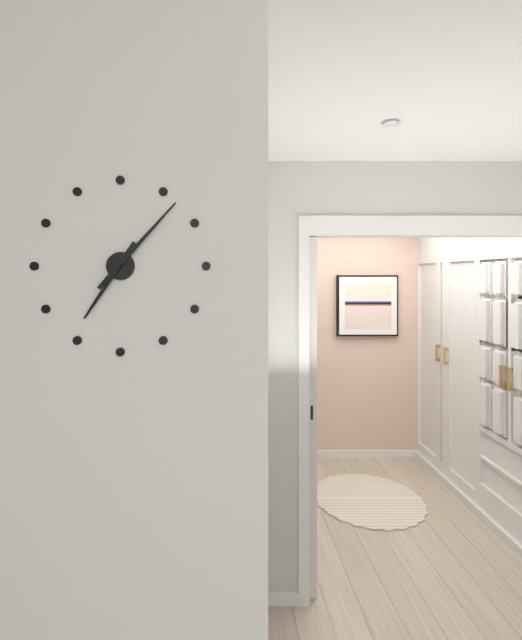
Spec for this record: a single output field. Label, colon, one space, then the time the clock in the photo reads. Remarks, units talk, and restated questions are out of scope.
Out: 7:07
